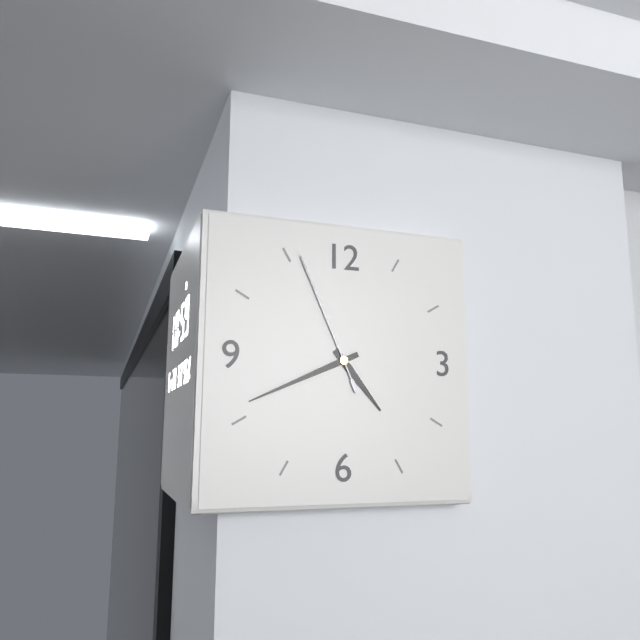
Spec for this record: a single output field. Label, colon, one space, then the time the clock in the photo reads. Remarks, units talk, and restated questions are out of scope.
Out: 4:41:56
